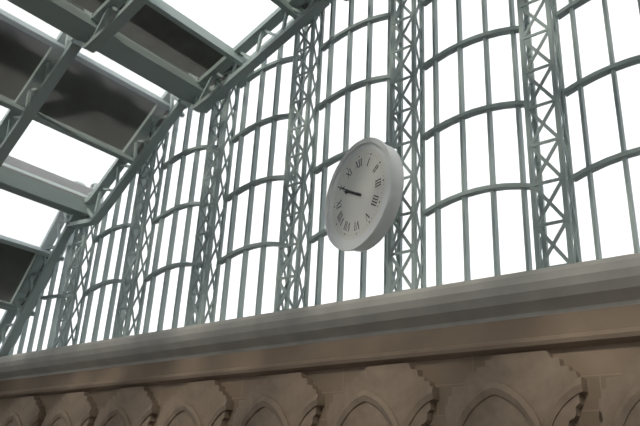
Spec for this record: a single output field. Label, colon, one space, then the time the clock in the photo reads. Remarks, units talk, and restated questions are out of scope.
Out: 9:50
